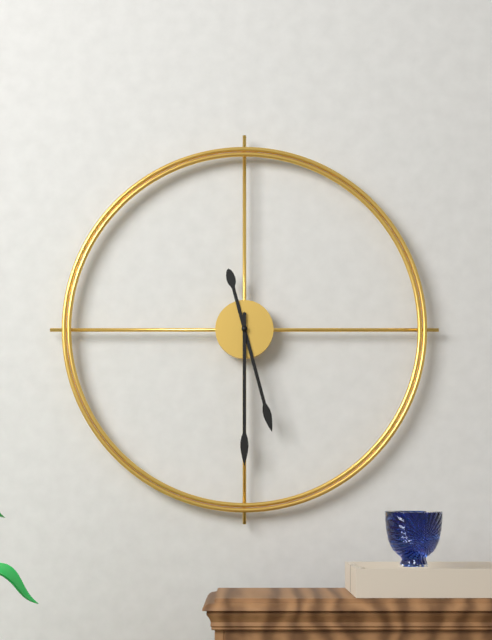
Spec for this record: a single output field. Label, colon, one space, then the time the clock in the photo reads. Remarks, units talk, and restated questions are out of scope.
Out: 5:30
